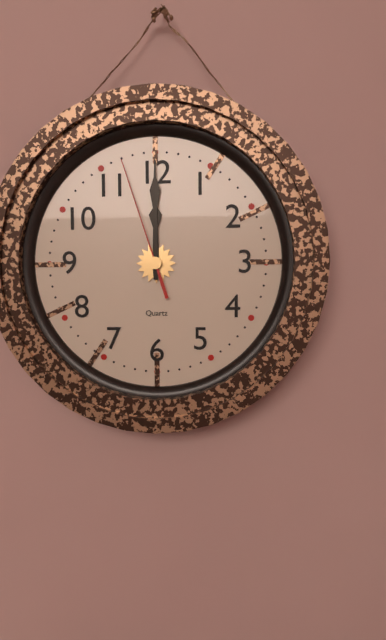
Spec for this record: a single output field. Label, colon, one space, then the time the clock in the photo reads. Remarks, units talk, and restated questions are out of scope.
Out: 12:00:57
